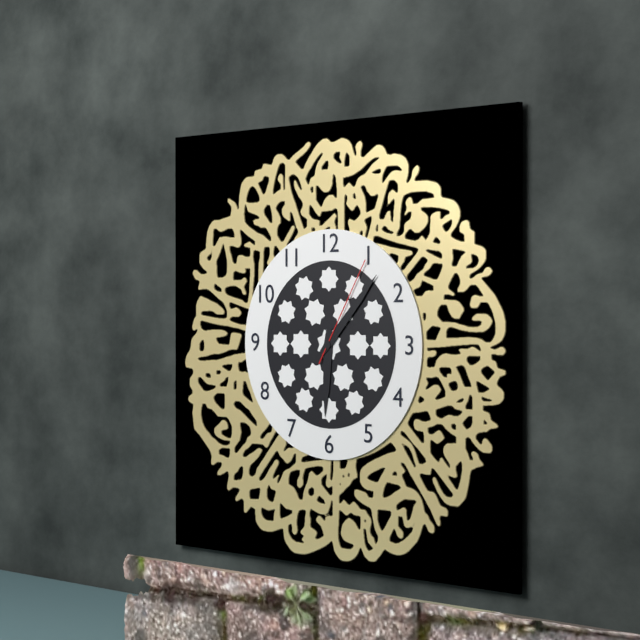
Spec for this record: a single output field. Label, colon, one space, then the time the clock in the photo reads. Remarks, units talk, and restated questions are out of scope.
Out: 6:07:05
